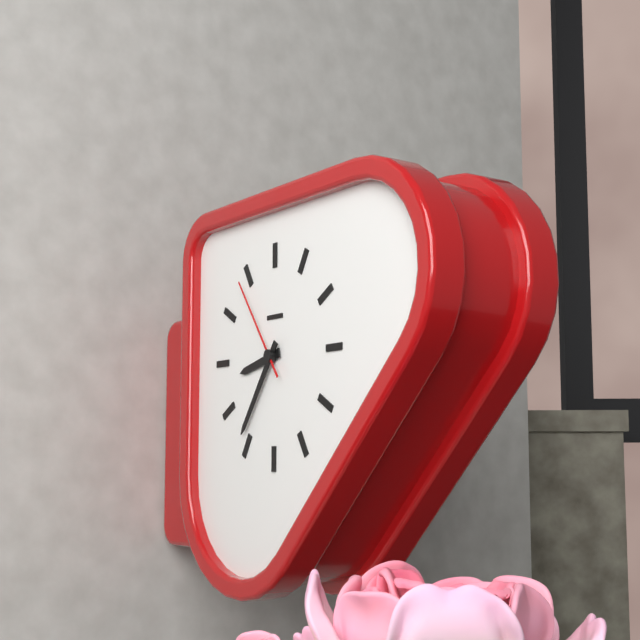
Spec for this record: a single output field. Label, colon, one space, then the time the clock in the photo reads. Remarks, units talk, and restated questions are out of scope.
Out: 8:36:54
